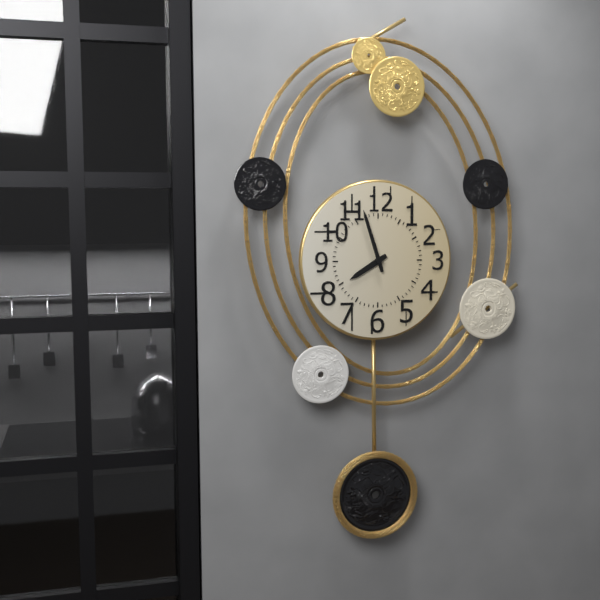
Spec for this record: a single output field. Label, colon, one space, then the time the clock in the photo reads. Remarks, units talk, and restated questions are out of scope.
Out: 7:57
